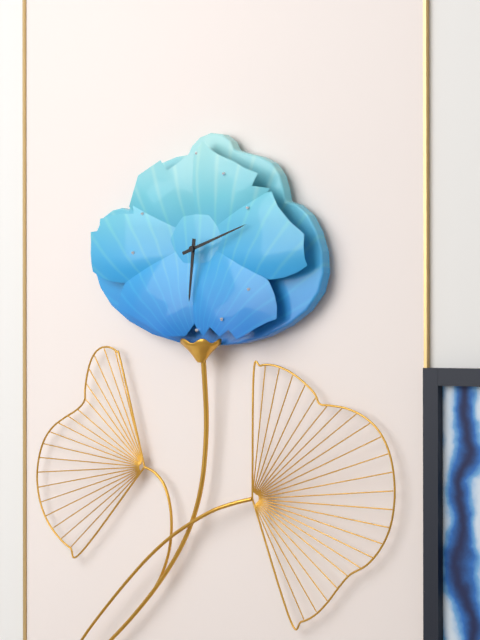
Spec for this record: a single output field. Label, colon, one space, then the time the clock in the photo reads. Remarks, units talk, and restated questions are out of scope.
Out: 6:12
